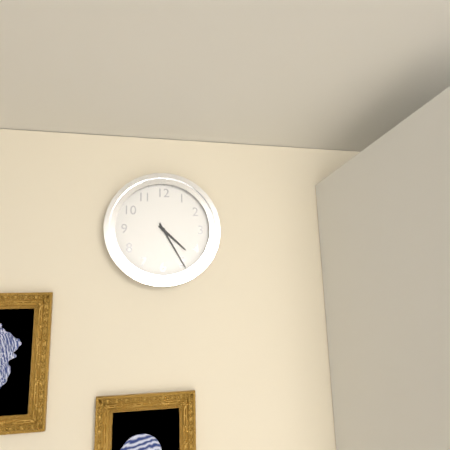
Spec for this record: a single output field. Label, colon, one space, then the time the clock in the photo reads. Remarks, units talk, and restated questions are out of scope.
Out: 4:25
